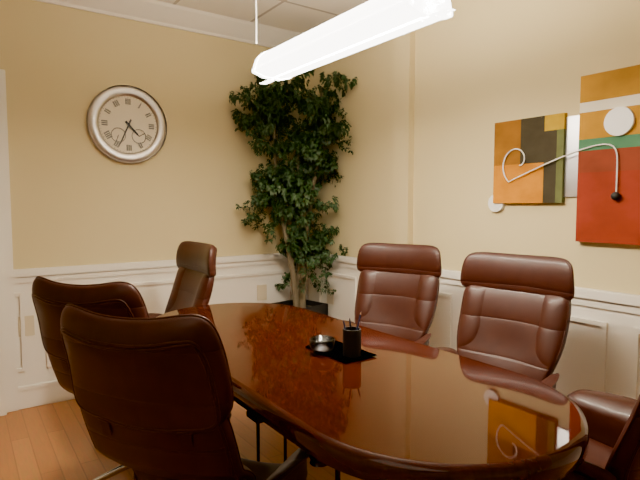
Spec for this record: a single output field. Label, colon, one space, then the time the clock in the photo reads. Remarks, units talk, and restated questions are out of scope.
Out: 4:34
